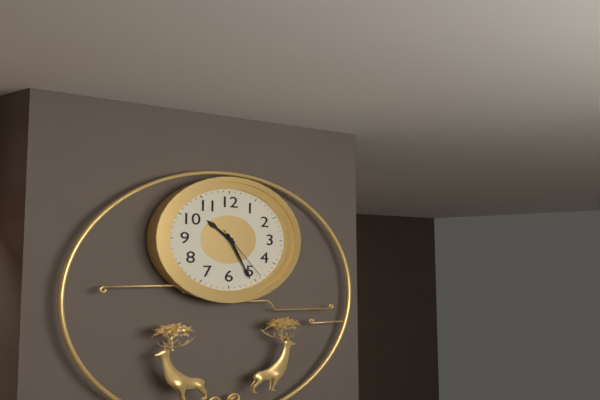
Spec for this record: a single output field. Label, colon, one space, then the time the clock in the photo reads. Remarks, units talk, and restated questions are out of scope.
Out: 10:26:24
